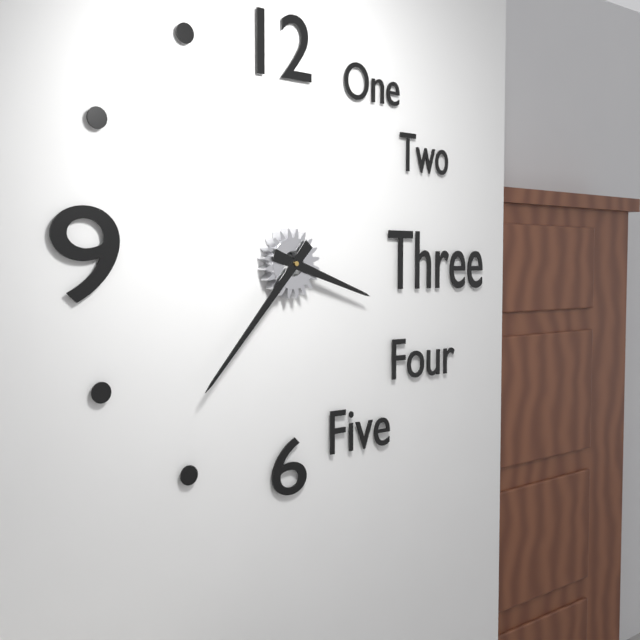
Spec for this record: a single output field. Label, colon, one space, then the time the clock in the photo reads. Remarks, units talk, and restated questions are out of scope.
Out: 3:37
